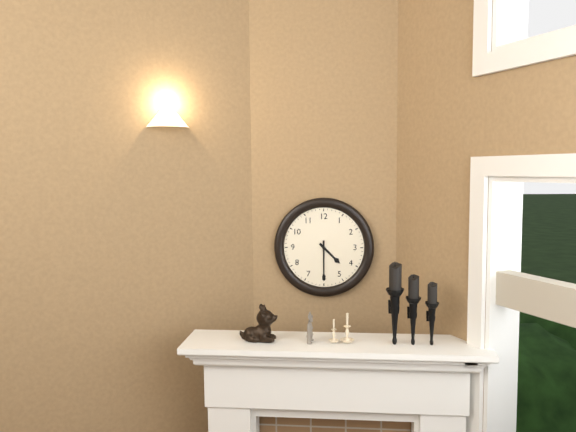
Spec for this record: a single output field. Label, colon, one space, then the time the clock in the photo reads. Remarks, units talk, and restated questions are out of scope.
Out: 4:30
